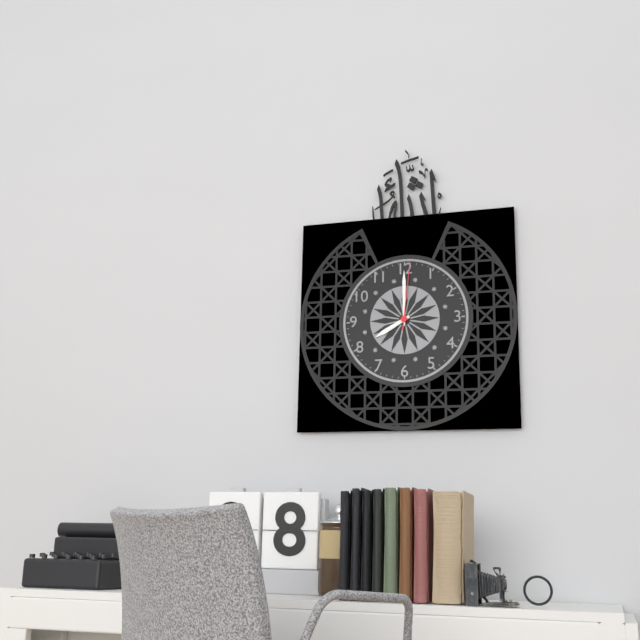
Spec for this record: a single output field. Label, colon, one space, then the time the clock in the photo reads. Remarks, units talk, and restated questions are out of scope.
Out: 8:00:01
